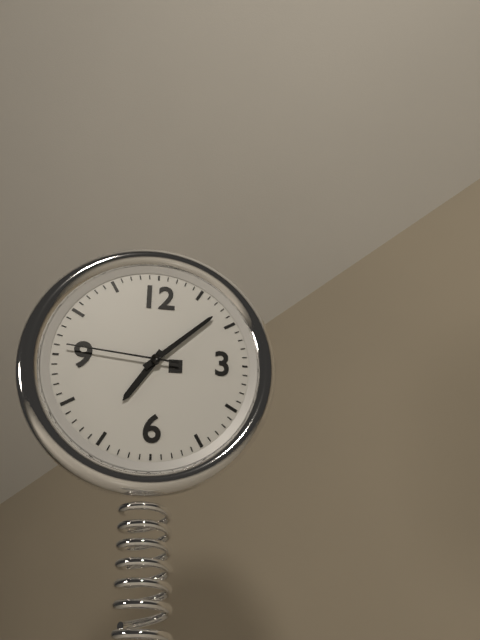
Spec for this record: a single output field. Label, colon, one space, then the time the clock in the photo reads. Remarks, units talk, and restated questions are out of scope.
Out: 7:08:46
